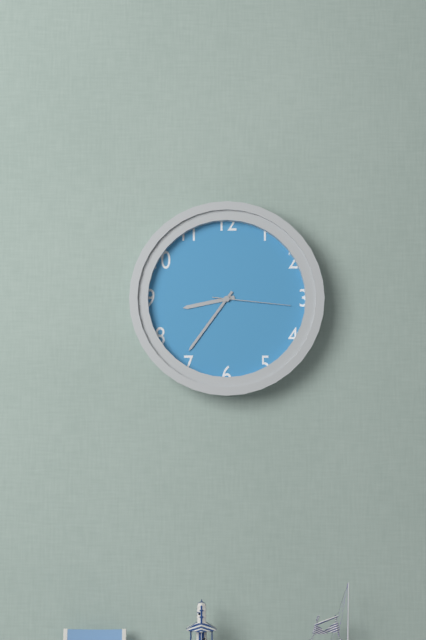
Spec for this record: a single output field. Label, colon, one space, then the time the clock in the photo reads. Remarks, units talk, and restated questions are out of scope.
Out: 8:36:16
